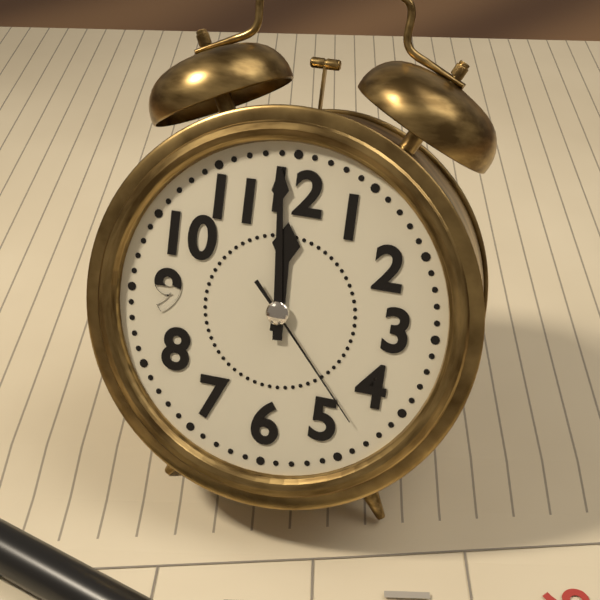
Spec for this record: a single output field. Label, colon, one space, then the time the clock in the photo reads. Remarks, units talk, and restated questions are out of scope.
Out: 11:59:23
